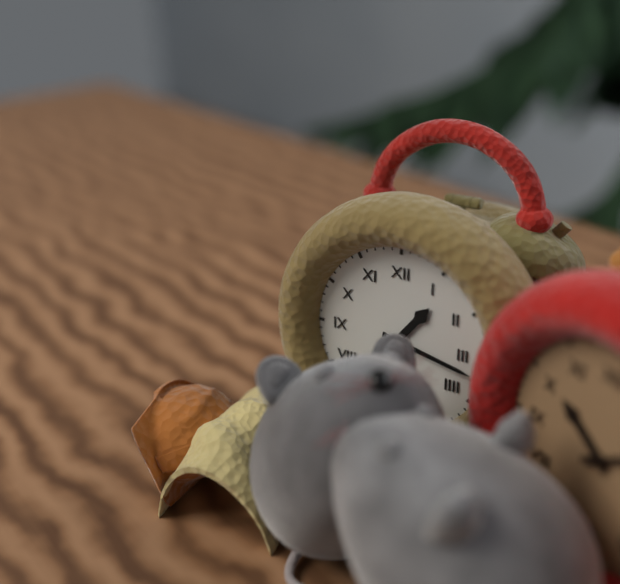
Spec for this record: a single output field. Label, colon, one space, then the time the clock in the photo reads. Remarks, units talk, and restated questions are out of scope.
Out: 1:17
